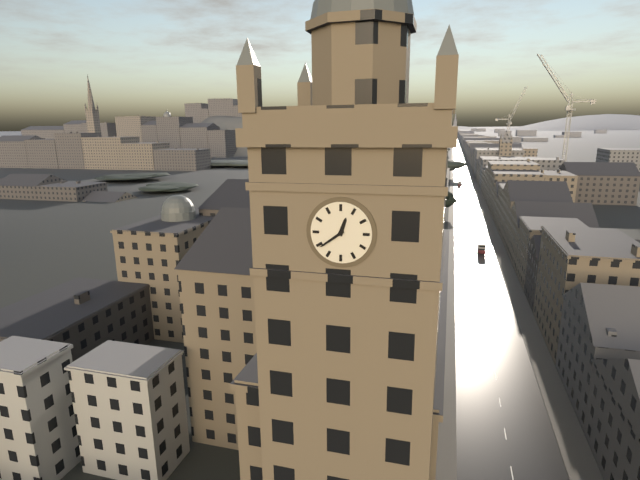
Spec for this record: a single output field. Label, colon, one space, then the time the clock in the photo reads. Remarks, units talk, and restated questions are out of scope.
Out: 12:39
